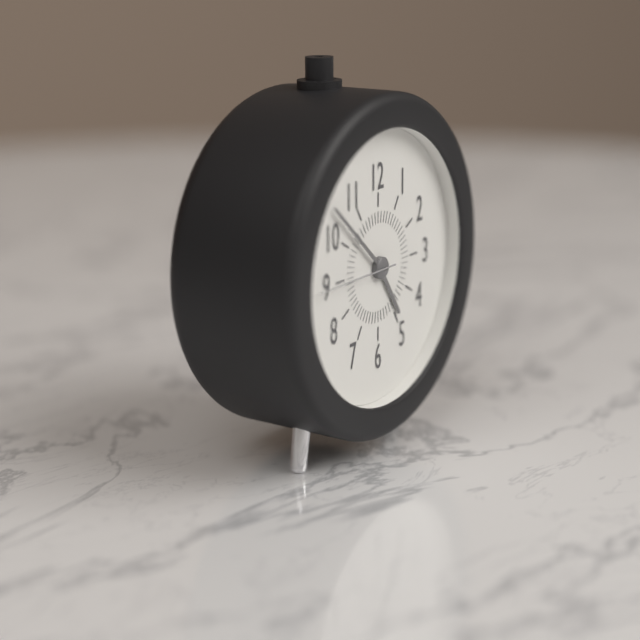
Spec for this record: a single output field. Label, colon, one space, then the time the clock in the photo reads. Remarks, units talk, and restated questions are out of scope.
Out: 4:52:45
